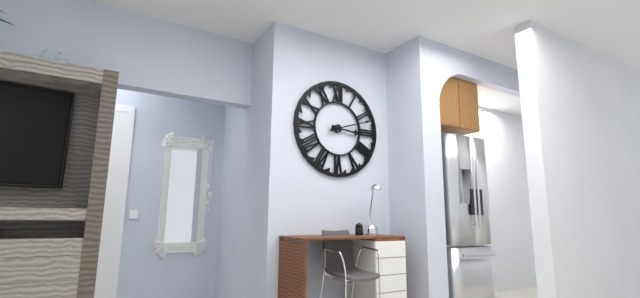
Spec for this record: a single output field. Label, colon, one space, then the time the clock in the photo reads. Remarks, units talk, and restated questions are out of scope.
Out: 3:12
